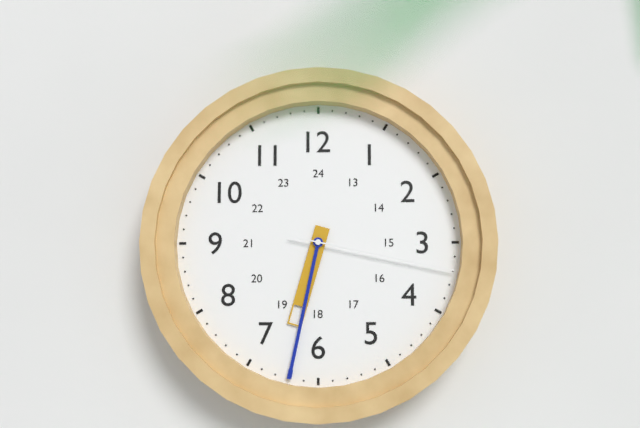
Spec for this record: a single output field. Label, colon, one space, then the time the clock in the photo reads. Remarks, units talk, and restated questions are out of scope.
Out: 6:32:17
